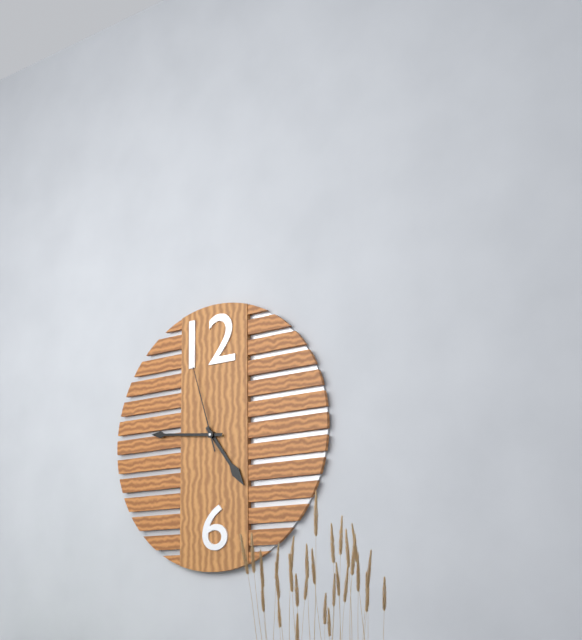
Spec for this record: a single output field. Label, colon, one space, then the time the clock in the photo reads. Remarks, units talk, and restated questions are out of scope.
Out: 4:46:57
